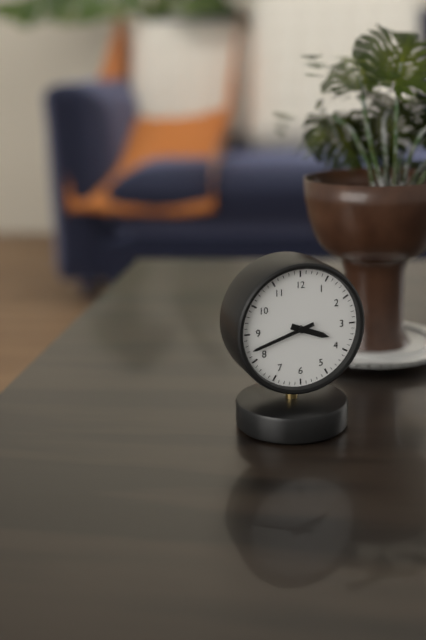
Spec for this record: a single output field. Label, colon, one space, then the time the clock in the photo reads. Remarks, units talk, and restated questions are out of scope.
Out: 3:42
